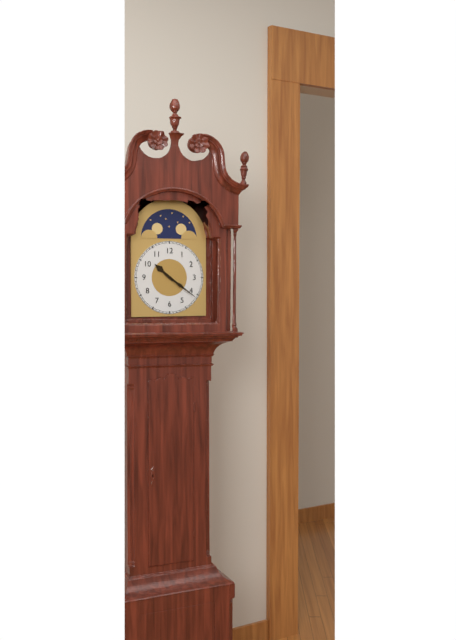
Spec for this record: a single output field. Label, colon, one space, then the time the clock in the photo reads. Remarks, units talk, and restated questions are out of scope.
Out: 10:21
